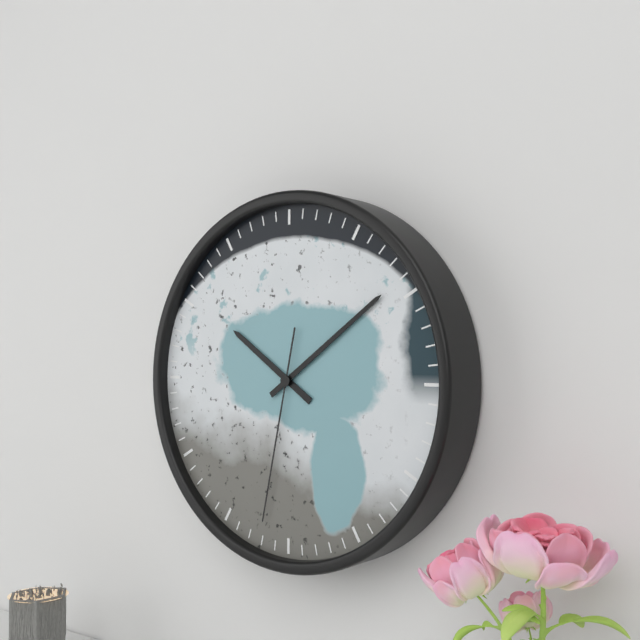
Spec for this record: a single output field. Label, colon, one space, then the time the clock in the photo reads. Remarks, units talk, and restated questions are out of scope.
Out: 10:09:32
